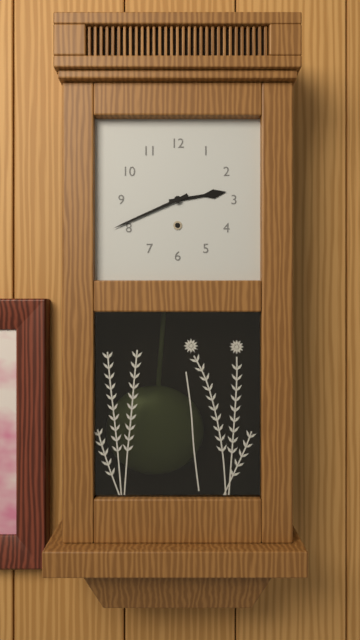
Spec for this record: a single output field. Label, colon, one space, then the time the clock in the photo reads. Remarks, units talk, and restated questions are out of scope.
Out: 2:41
